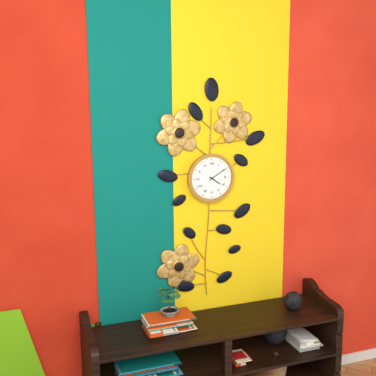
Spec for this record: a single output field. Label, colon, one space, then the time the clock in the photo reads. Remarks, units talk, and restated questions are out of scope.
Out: 4:10
